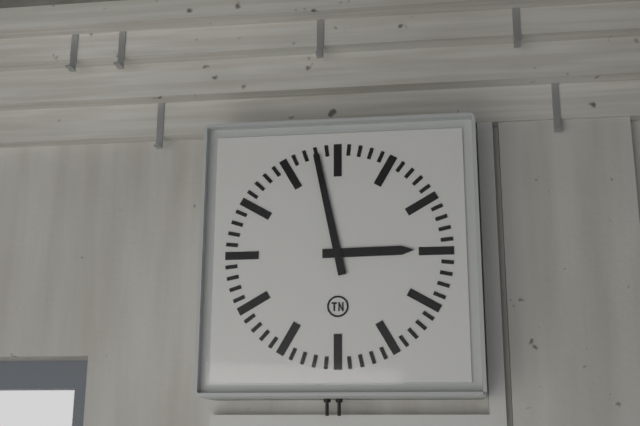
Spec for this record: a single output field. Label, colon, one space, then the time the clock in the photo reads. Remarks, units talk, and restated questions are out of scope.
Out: 2:58
